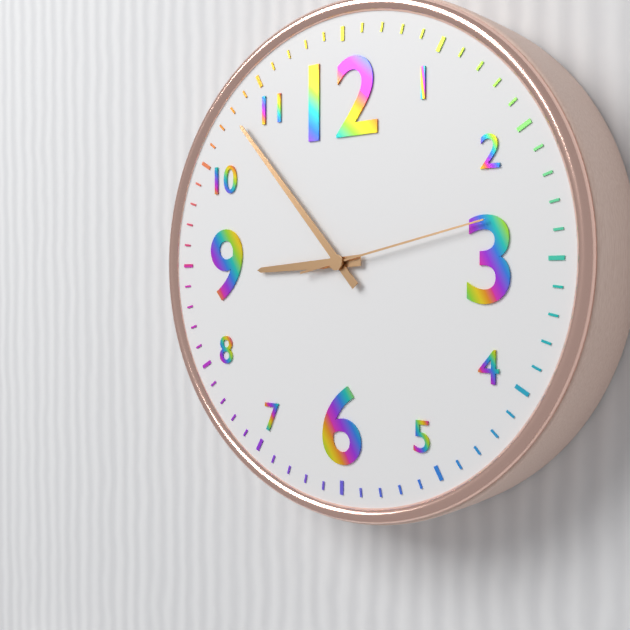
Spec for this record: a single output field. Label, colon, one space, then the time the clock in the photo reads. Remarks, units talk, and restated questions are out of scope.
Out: 8:53:13
